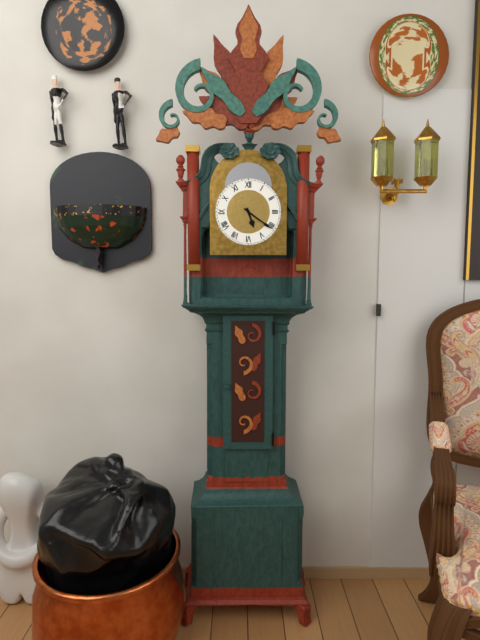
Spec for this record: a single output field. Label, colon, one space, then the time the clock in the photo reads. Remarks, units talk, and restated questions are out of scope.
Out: 5:21
